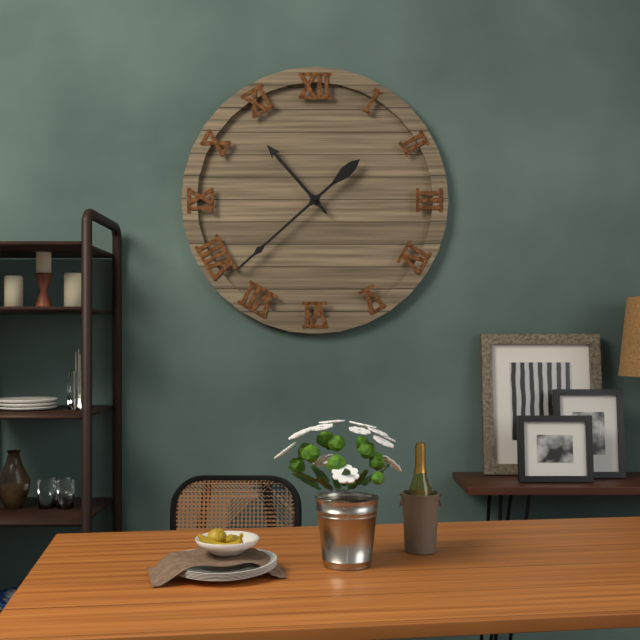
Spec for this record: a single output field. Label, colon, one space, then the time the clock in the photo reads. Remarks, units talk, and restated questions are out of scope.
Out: 10:38
